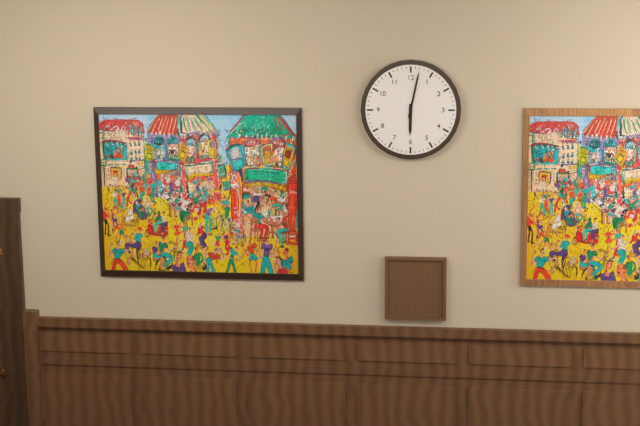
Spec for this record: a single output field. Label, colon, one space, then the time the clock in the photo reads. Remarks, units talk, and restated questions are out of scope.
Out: 6:02
